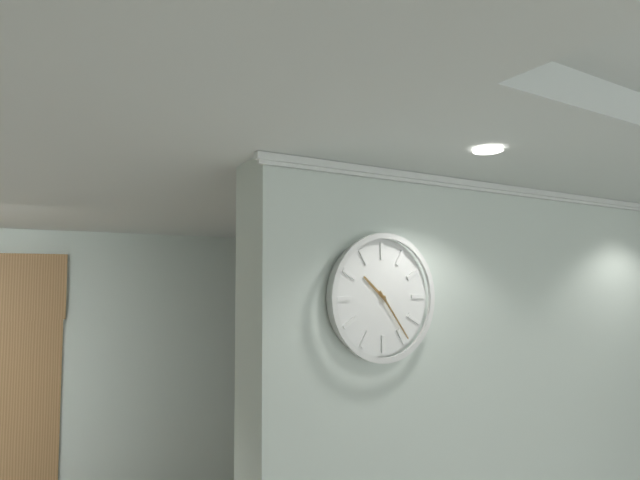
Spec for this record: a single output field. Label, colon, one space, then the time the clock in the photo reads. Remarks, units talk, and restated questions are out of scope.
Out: 10:24
